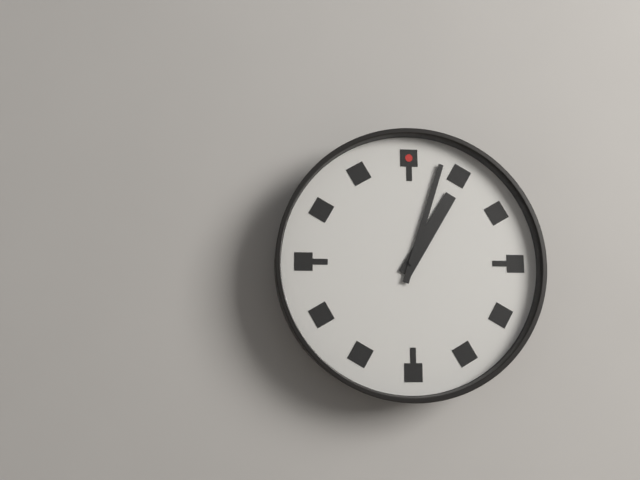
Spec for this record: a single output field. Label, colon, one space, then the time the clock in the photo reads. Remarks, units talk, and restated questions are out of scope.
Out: 1:03
